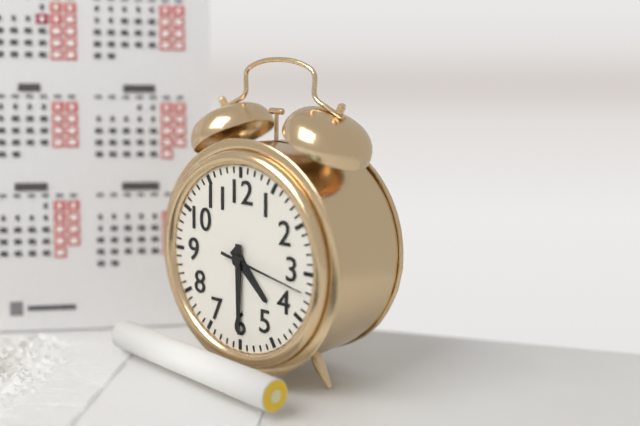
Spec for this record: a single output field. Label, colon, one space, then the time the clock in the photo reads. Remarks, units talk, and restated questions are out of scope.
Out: 4:30:17
